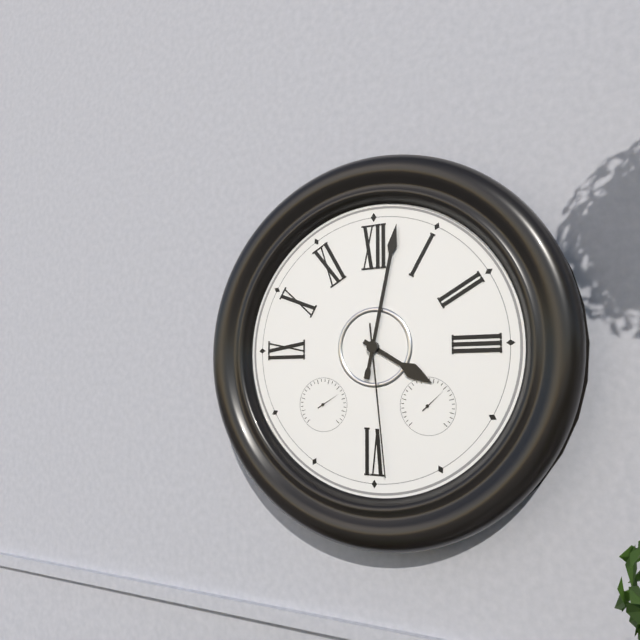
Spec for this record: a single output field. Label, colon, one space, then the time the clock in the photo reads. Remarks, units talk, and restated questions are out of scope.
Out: 4:02:29
